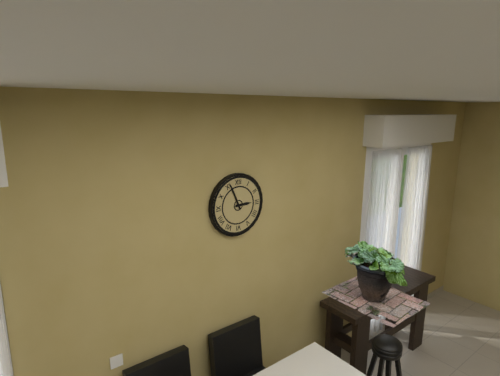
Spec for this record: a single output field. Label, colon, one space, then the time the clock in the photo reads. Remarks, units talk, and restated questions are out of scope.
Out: 2:56
